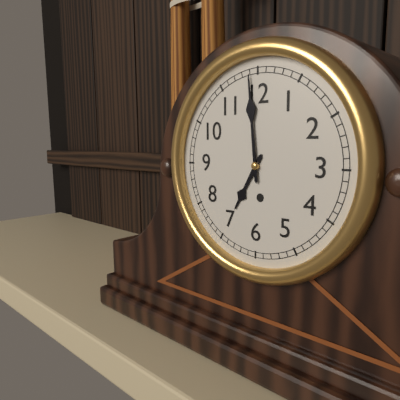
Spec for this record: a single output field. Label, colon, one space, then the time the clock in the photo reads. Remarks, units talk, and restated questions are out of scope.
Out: 6:59
